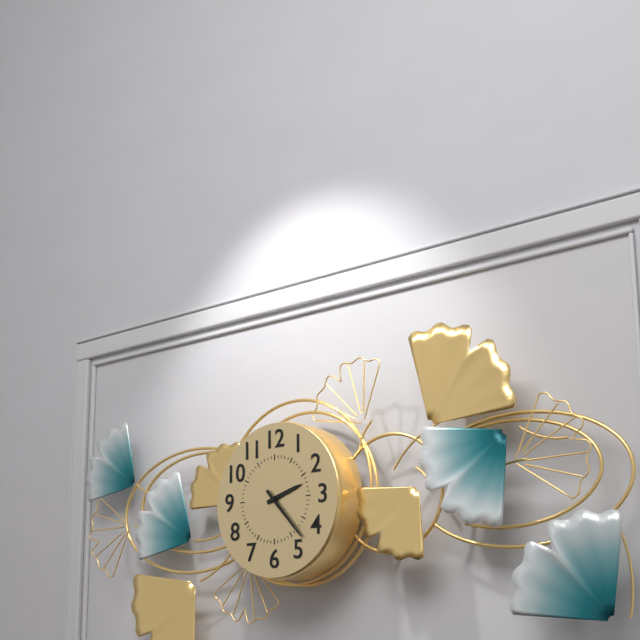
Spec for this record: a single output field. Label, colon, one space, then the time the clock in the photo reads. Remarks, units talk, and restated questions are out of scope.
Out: 2:23
